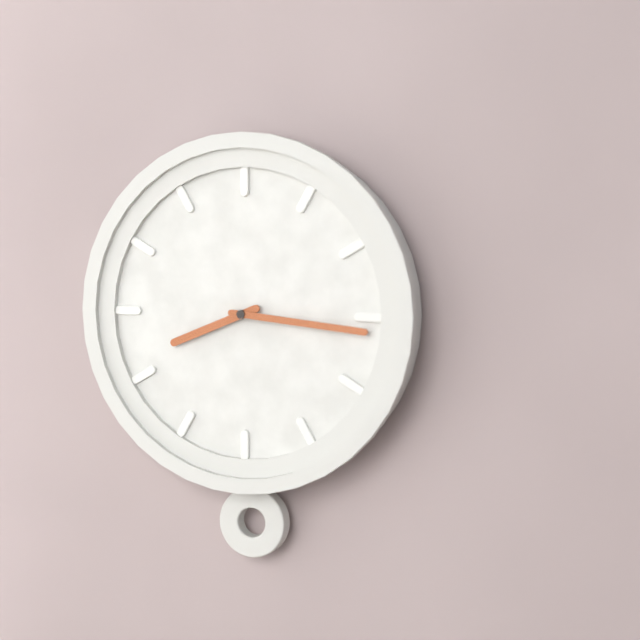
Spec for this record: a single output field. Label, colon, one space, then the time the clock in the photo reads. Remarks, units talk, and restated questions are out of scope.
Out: 8:16
